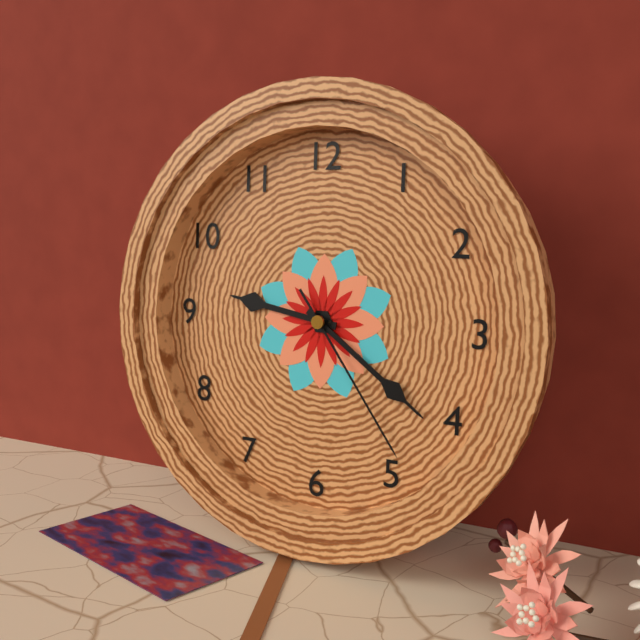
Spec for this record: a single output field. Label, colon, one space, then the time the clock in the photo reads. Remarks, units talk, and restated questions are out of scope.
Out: 9:21:24
